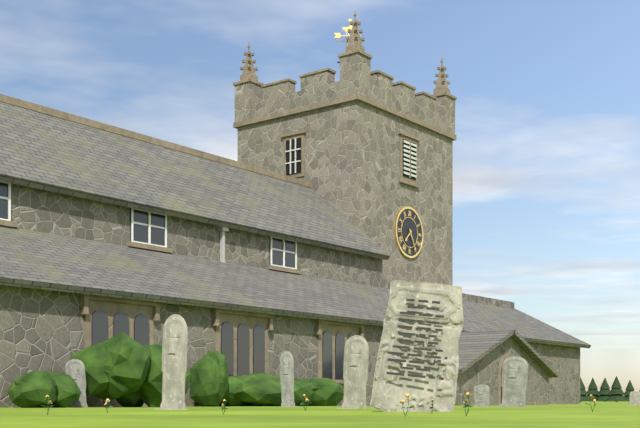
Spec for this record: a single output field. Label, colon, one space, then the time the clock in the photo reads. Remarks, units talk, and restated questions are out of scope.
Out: 7:25
